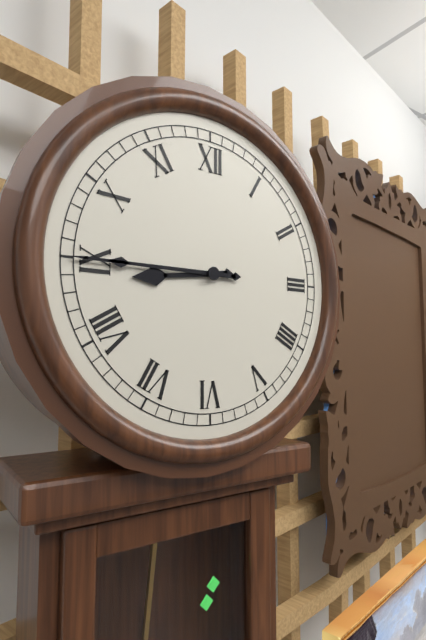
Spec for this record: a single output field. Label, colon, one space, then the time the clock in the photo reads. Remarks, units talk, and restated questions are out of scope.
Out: 8:45
